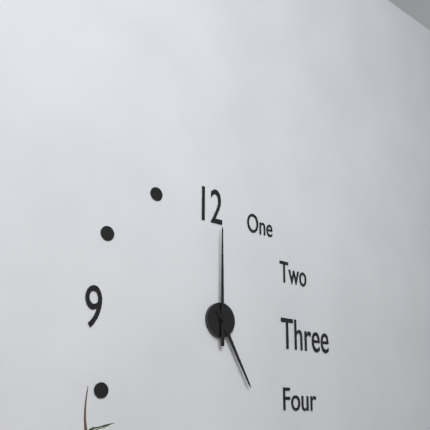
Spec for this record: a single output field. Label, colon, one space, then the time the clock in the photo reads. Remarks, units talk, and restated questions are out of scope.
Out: 5:00
